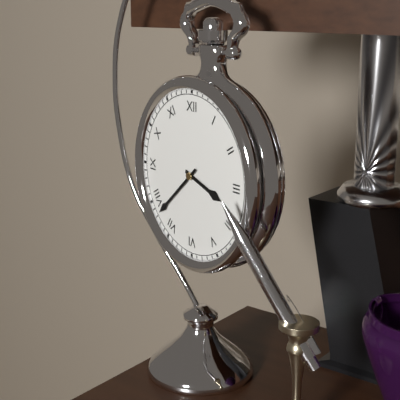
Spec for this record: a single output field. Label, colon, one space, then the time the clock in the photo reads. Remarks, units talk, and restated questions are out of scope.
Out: 3:38
